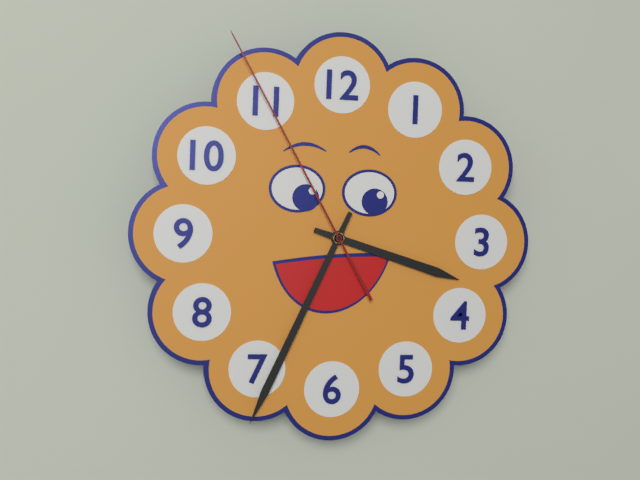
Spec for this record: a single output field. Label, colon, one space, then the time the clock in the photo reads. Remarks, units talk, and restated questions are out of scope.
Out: 3:34:55
